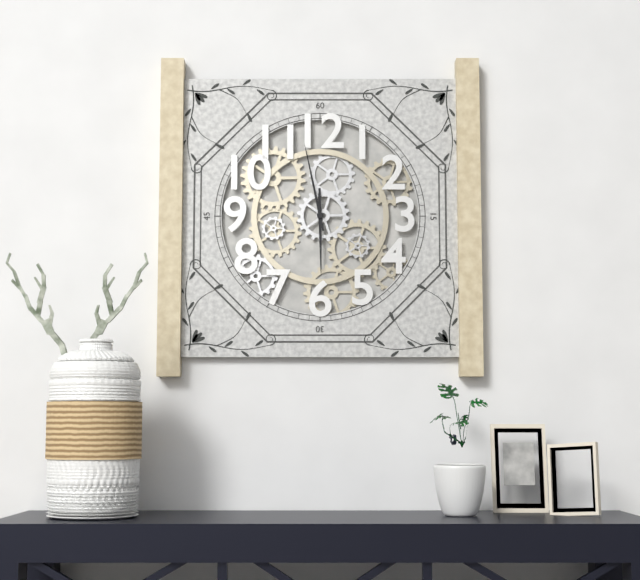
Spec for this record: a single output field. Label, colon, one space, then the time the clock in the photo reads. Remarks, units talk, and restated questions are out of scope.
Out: 5:58
